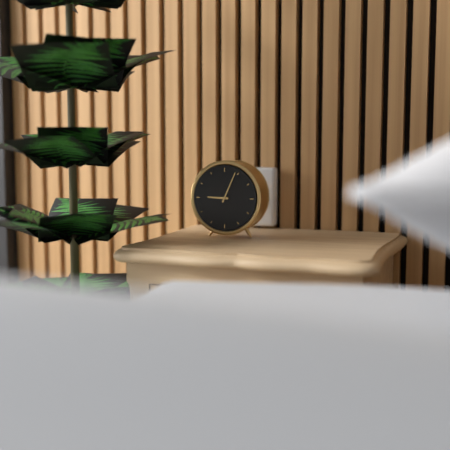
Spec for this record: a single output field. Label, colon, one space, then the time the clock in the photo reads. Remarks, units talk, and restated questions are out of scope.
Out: 9:04
